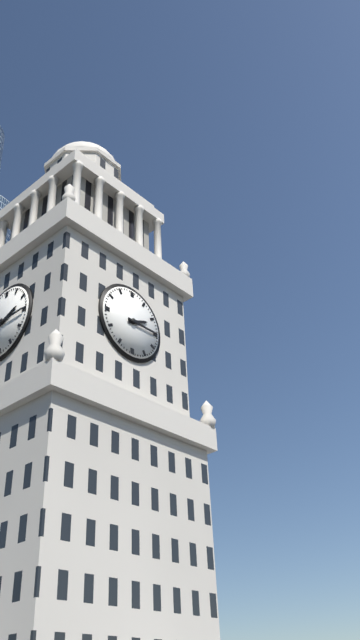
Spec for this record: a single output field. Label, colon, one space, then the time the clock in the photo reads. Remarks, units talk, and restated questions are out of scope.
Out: 2:15
